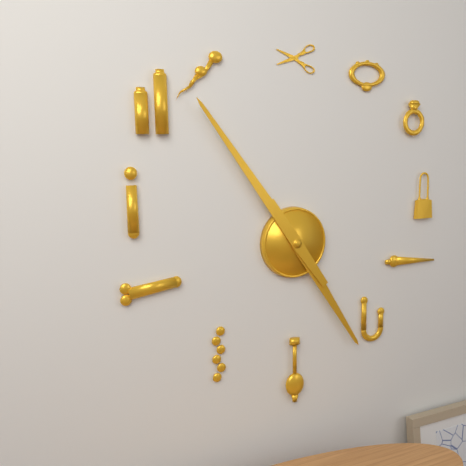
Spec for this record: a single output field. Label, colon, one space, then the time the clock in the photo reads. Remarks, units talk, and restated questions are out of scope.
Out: 4:54
